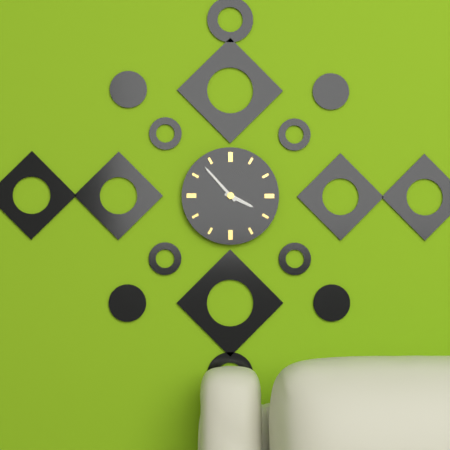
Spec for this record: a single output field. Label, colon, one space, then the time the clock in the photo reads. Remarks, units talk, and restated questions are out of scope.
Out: 3:53
